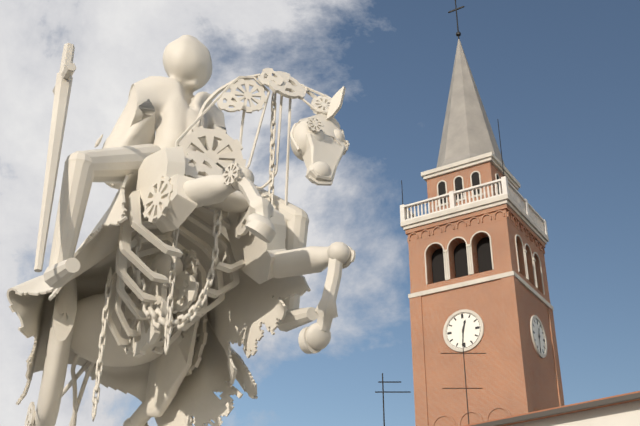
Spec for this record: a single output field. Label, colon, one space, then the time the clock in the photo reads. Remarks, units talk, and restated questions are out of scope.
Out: 12:31
